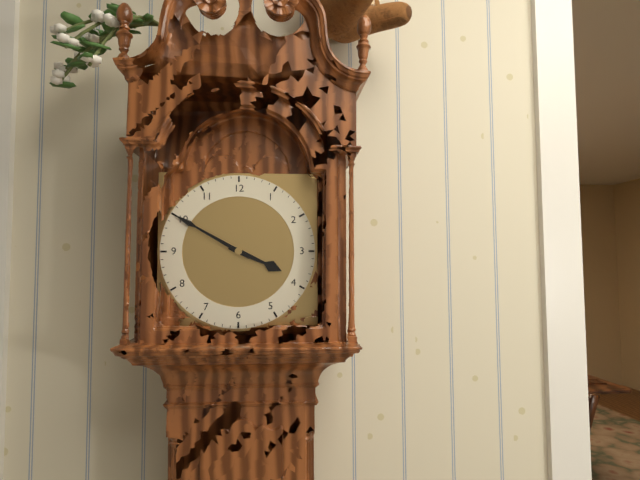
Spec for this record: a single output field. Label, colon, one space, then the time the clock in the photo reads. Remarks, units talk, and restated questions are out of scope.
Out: 3:50
